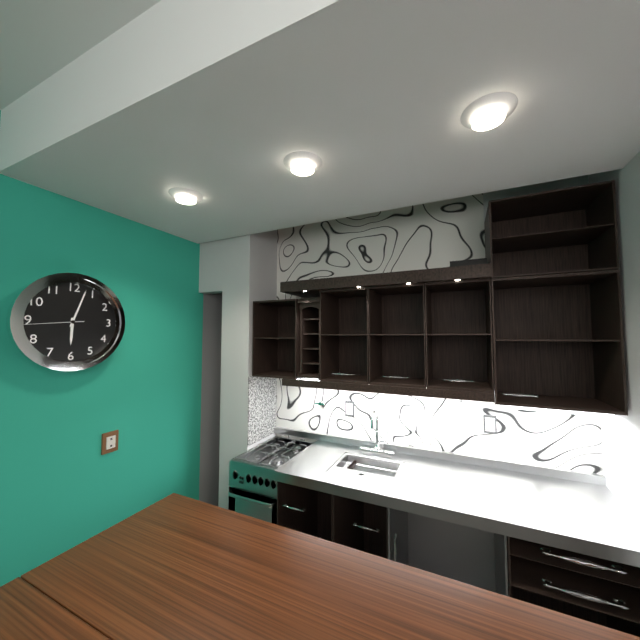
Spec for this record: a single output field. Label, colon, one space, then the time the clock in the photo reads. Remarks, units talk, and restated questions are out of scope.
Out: 6:03:44
